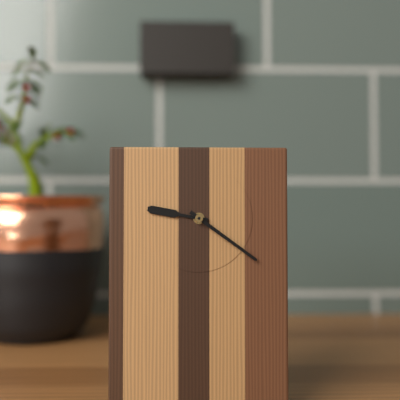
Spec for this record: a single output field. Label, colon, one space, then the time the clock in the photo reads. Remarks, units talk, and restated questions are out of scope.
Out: 9:21
